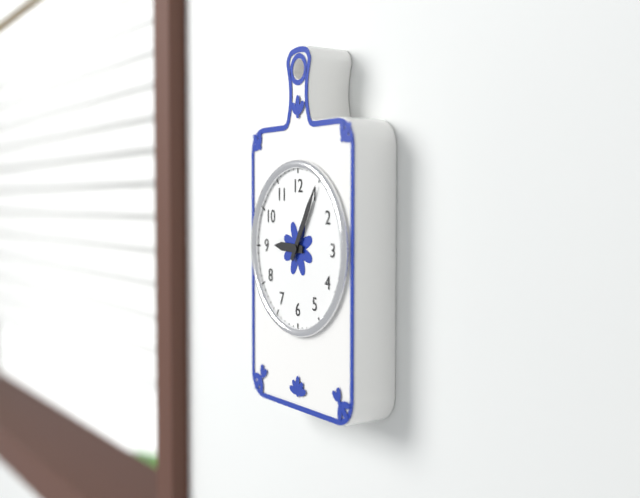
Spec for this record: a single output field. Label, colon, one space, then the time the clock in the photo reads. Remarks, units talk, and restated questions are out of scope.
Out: 9:05
